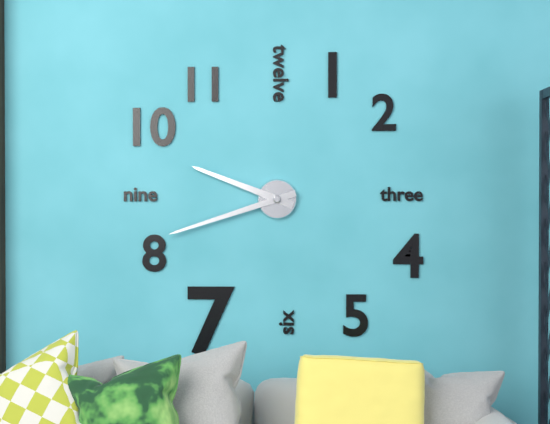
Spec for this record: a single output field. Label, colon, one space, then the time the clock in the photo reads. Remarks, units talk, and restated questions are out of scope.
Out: 9:42
